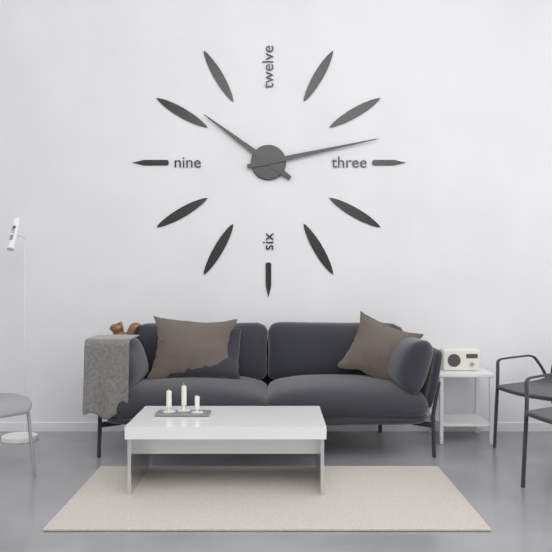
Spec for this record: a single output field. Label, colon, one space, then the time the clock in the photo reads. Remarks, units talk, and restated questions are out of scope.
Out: 10:13
